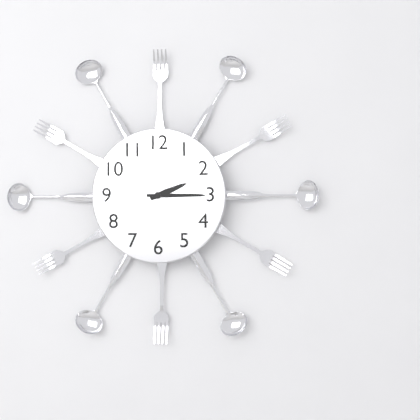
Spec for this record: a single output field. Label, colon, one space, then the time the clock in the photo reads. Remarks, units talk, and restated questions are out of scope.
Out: 2:15
